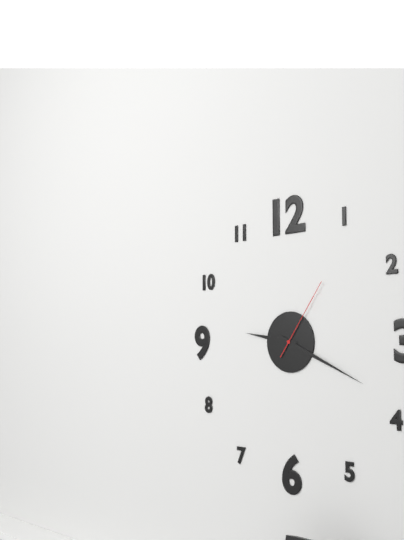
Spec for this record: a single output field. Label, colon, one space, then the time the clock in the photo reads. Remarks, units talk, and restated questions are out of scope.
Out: 9:19:06
